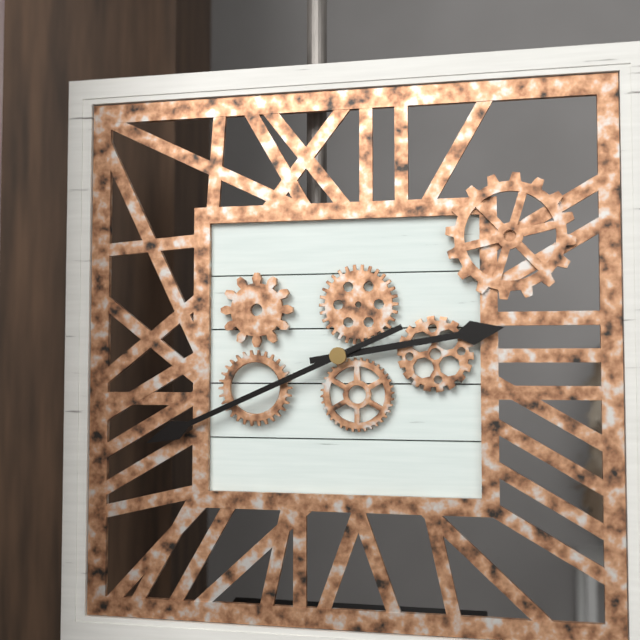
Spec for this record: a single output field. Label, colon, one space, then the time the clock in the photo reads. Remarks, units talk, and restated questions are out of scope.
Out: 2:41
